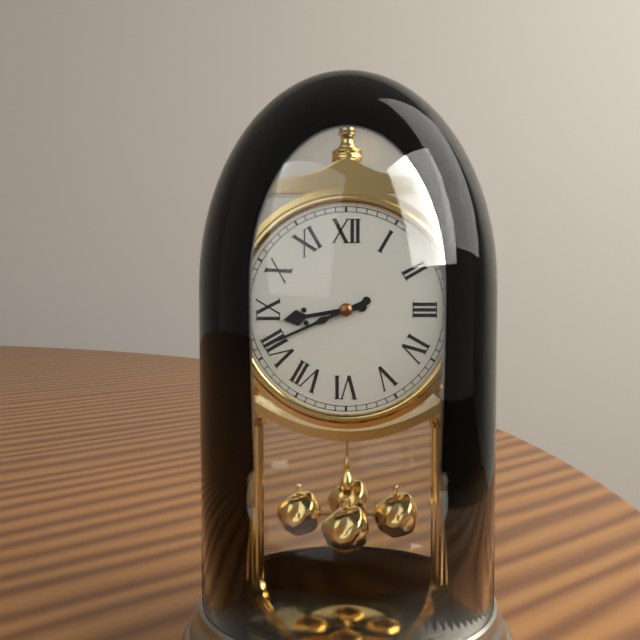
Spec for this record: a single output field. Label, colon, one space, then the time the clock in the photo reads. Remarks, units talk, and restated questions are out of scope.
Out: 8:41
